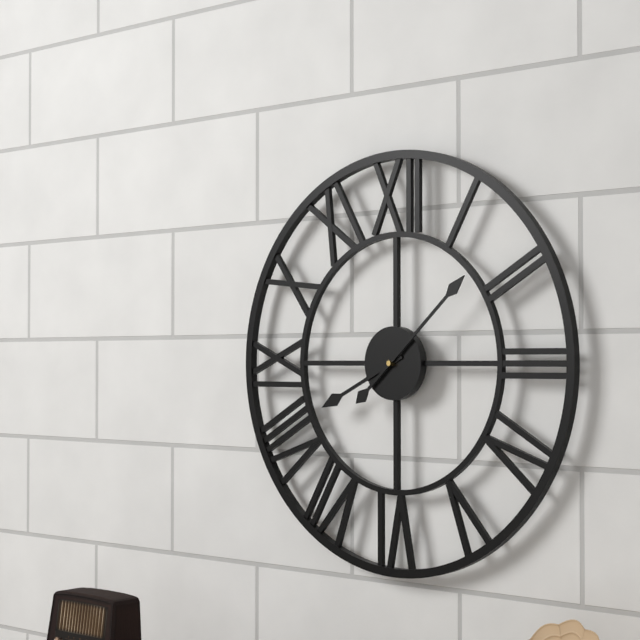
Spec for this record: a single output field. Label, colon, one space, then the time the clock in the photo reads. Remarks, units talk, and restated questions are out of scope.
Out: 8:08
